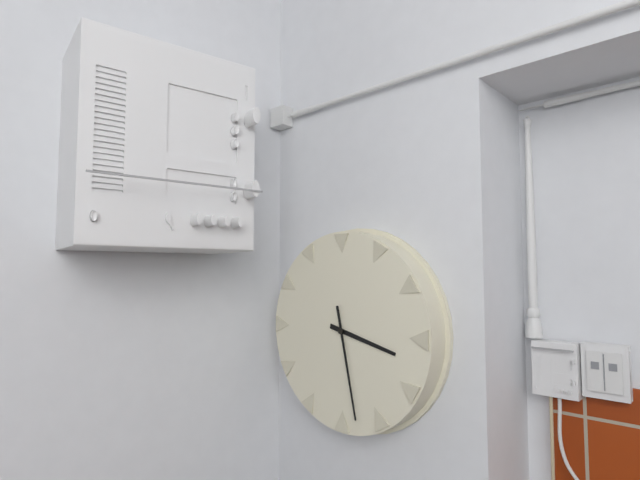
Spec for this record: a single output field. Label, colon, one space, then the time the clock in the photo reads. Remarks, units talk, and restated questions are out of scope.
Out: 3:28
